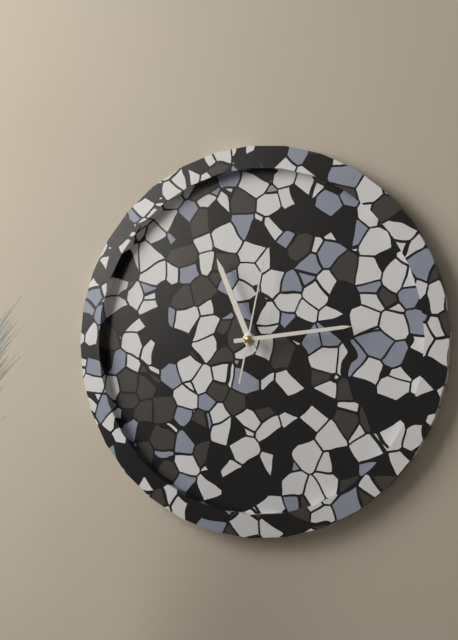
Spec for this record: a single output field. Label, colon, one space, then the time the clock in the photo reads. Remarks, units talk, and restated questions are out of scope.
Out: 11:14:02
